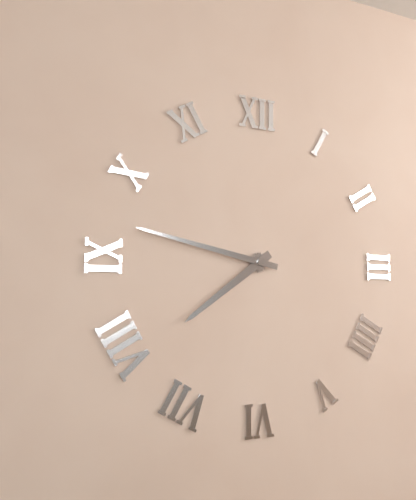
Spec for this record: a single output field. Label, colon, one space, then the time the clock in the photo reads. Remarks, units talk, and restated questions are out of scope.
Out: 7:47
